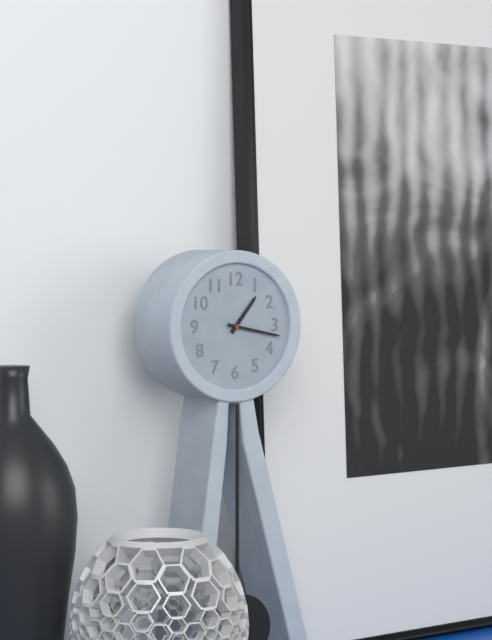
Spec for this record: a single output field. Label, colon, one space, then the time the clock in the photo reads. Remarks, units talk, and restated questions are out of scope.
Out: 1:17
